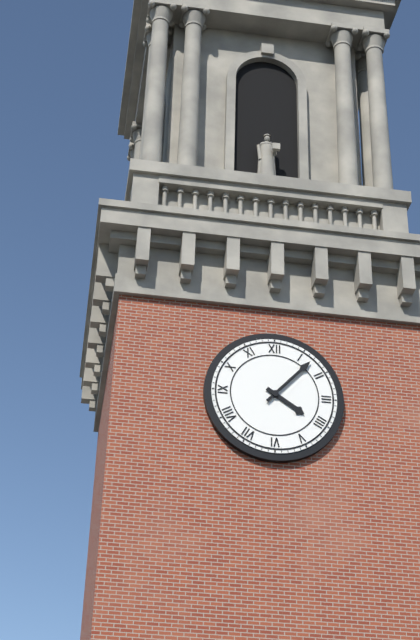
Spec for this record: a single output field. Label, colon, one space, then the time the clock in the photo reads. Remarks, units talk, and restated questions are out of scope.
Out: 4:07
